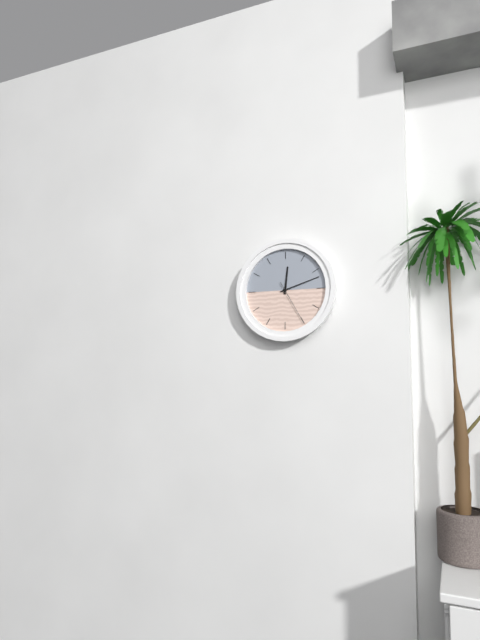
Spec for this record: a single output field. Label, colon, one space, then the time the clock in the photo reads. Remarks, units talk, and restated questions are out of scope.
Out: 12:12
